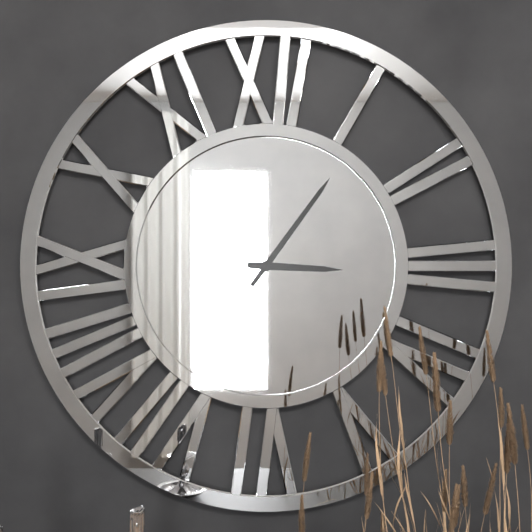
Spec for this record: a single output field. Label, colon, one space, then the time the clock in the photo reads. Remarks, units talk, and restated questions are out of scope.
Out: 3:06
